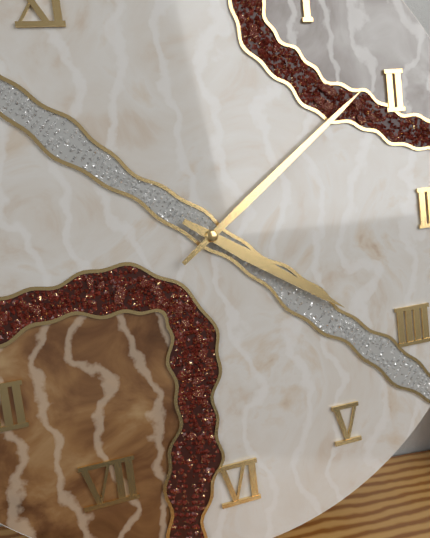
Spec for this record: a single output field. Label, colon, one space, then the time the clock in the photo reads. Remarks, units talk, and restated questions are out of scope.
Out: 4:09
